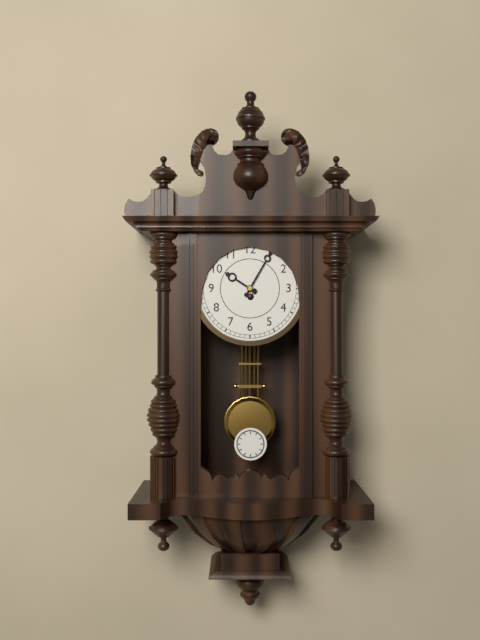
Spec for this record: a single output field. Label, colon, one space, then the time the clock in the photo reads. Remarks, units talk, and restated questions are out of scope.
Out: 10:05
